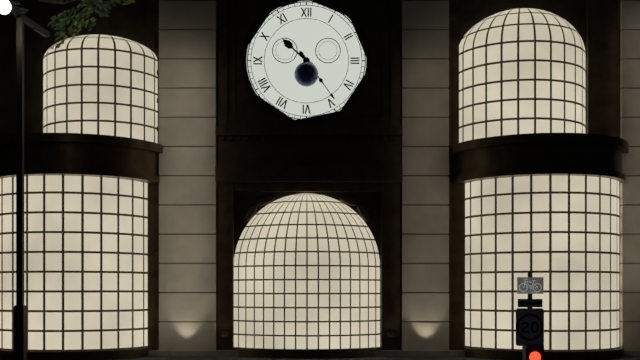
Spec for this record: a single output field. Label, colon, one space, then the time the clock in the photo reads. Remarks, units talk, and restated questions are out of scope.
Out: 10:24
